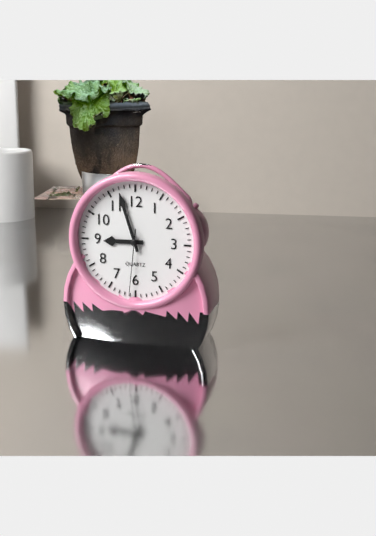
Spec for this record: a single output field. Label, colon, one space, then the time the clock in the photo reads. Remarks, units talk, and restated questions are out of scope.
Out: 8:57:31
